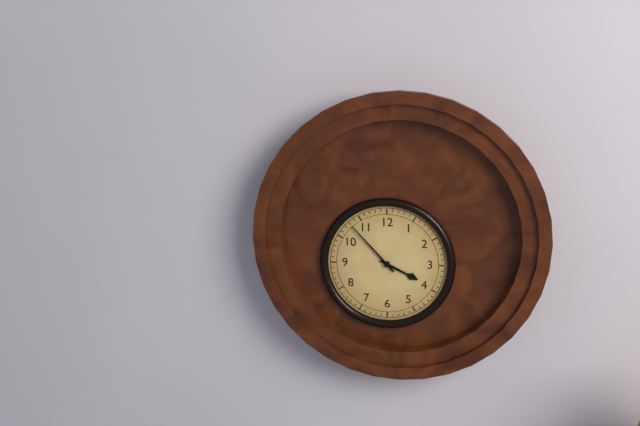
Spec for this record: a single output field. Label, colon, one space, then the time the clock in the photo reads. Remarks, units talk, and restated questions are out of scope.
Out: 3:53
